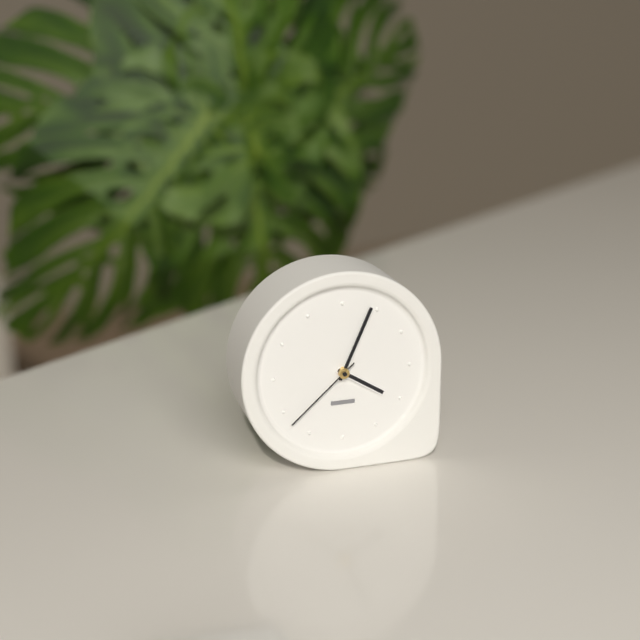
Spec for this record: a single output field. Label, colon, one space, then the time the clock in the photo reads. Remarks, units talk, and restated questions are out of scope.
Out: 4:04:38
